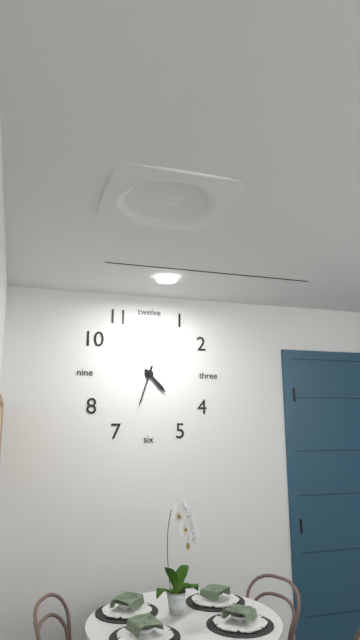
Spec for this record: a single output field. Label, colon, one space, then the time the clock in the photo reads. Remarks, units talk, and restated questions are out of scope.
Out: 4:33
